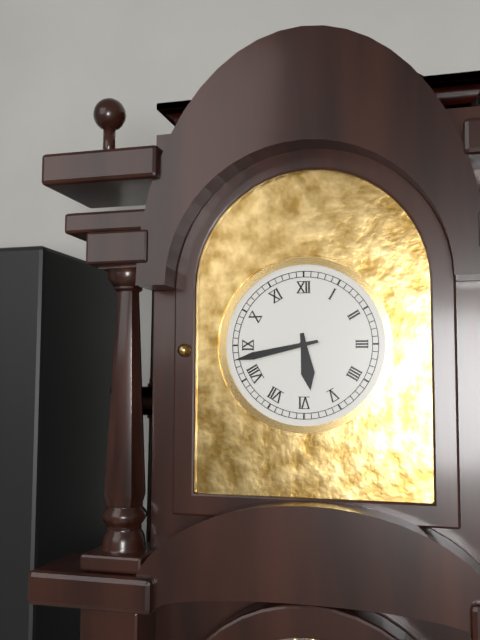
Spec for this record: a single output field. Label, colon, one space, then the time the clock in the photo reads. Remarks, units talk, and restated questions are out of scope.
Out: 5:43
